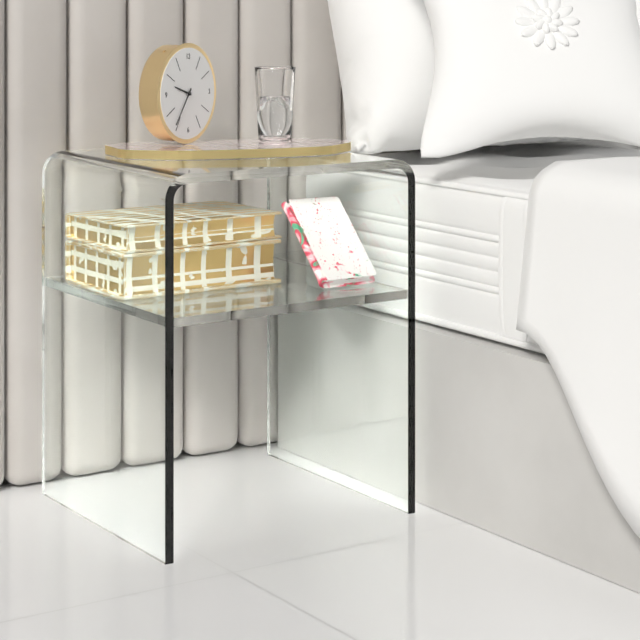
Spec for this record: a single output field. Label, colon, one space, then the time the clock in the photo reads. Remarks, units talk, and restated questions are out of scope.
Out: 9:36
